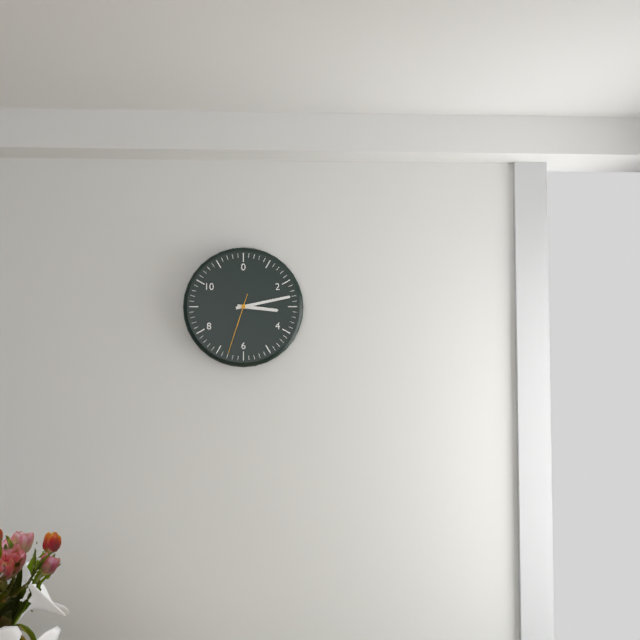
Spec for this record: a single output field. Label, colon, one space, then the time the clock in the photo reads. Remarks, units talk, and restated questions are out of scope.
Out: 3:13:33
